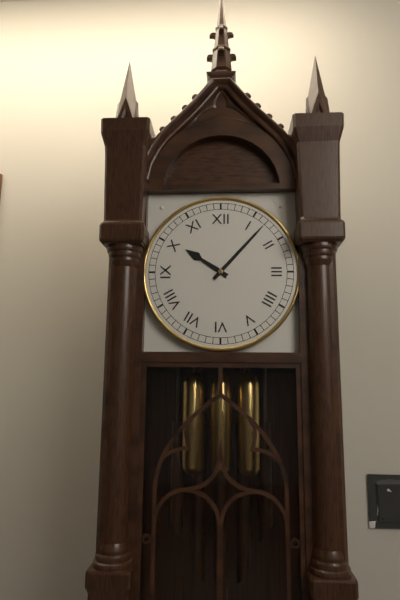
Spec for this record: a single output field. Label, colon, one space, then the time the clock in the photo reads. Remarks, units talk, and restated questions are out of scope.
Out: 10:07
